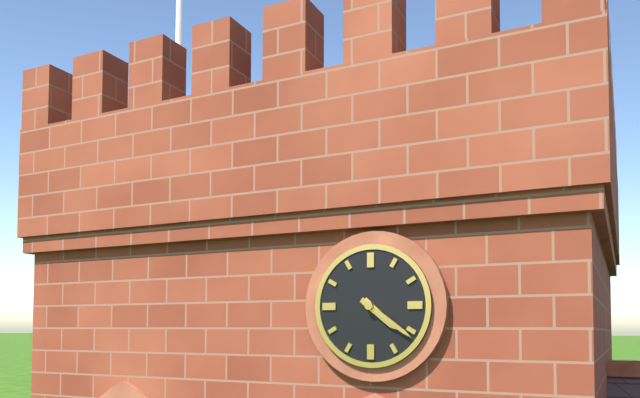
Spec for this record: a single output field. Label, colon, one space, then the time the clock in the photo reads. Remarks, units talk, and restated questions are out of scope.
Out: 4:21
